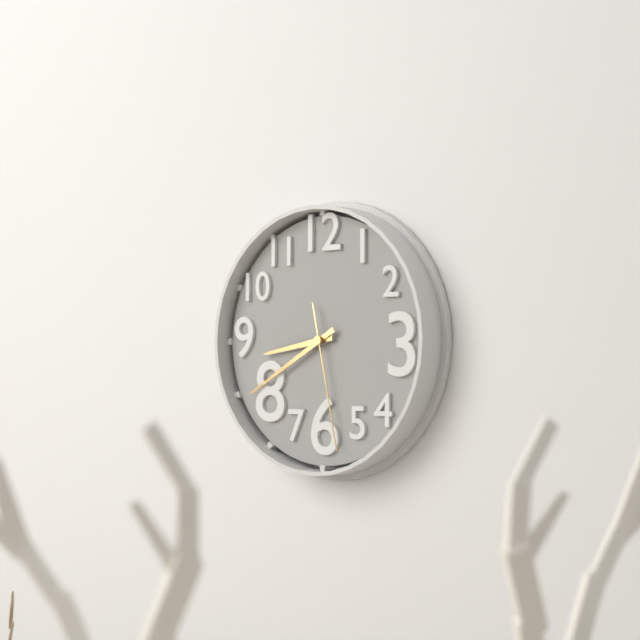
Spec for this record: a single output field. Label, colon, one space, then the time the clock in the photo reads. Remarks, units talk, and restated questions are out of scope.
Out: 8:40:28
